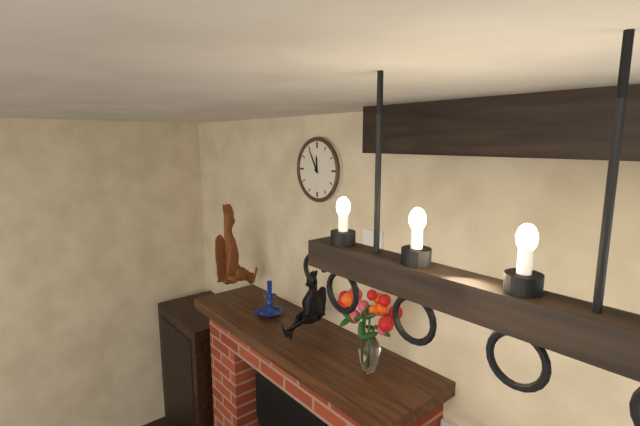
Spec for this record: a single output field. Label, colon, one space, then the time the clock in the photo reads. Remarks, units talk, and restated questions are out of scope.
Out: 11:55
